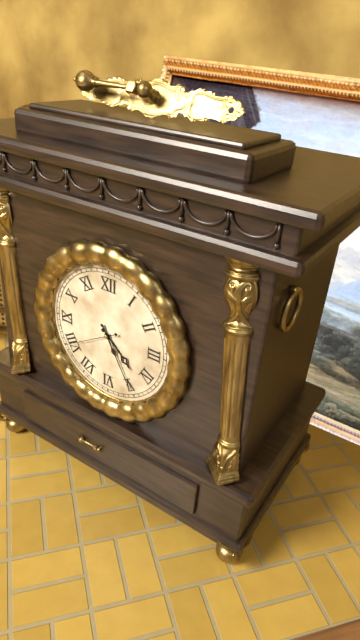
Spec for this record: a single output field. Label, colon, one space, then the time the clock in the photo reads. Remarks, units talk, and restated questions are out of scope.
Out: 4:25:40
